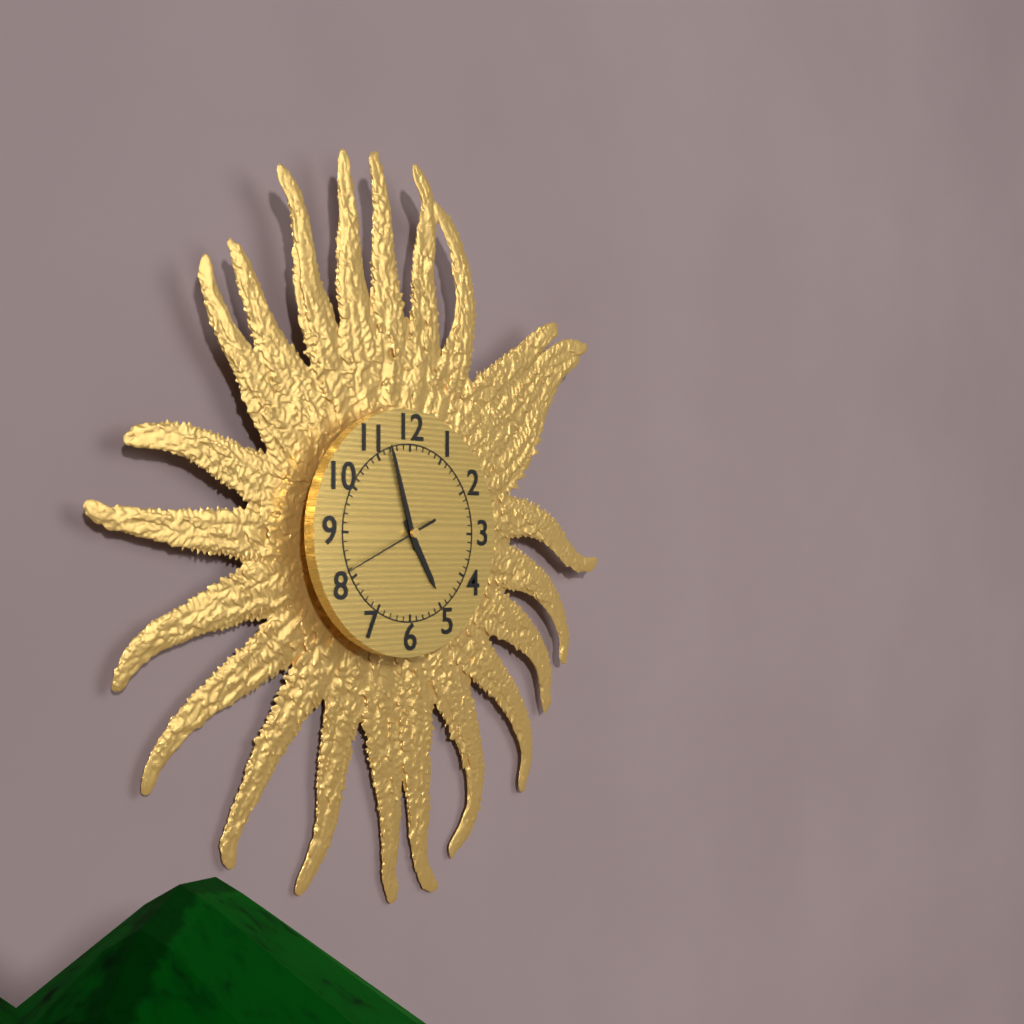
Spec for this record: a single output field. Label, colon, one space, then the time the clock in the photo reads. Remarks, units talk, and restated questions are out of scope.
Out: 4:57:41
